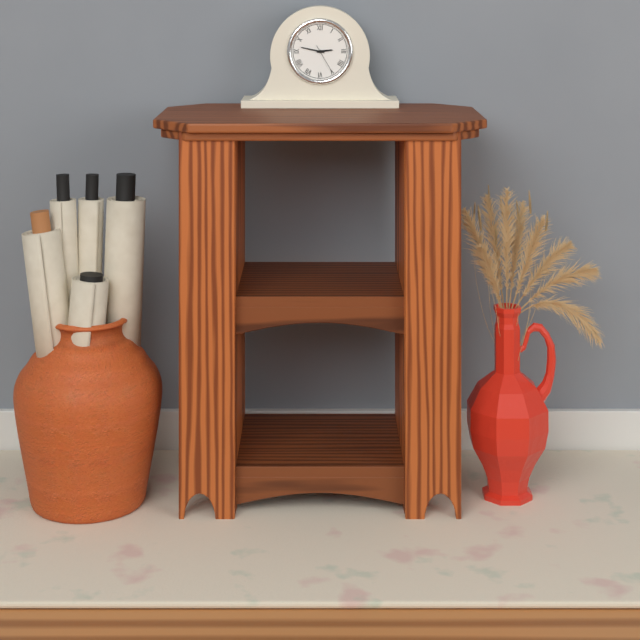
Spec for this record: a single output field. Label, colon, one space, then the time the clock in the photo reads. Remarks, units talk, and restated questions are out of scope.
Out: 2:47
